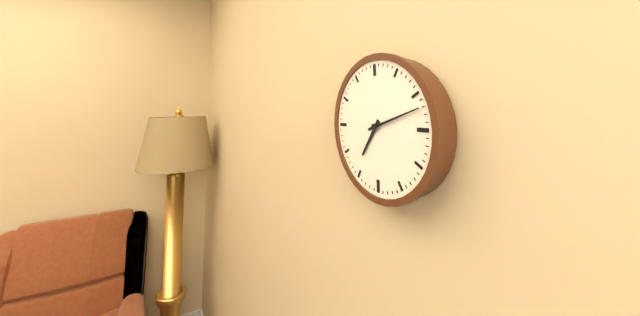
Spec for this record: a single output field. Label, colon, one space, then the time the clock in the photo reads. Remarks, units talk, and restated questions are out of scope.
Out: 7:12
